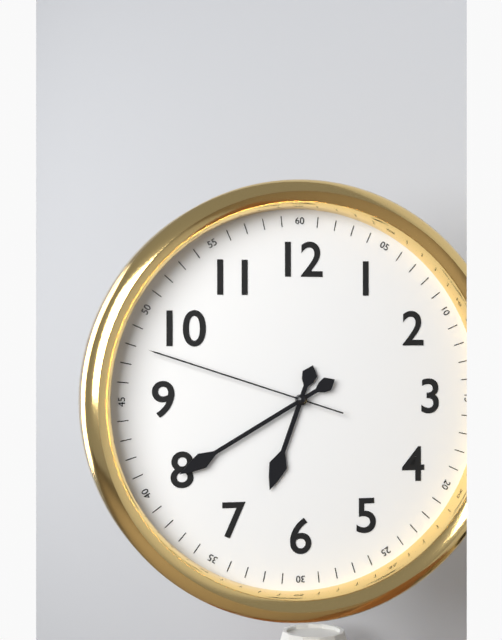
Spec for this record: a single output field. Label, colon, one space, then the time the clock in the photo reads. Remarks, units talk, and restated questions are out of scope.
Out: 6:40:48
